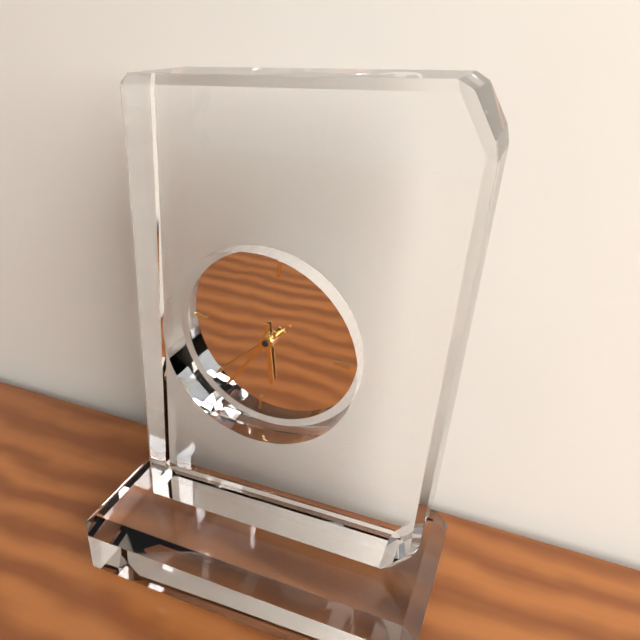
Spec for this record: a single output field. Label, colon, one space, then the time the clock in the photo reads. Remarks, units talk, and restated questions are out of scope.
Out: 5:35:37
